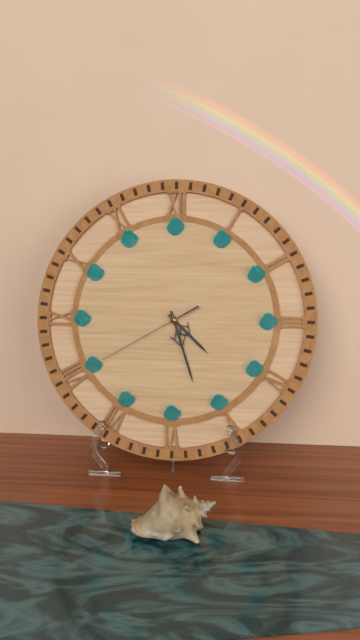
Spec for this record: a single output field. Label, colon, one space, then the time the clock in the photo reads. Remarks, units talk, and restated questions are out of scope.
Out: 4:27:40
